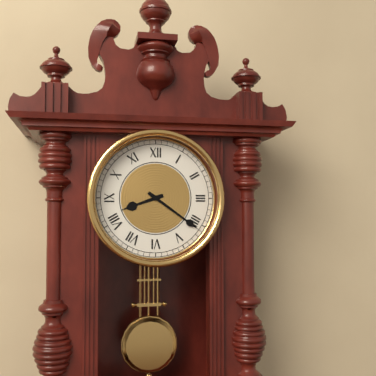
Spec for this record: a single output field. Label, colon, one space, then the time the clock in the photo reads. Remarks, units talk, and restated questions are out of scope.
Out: 8:21
